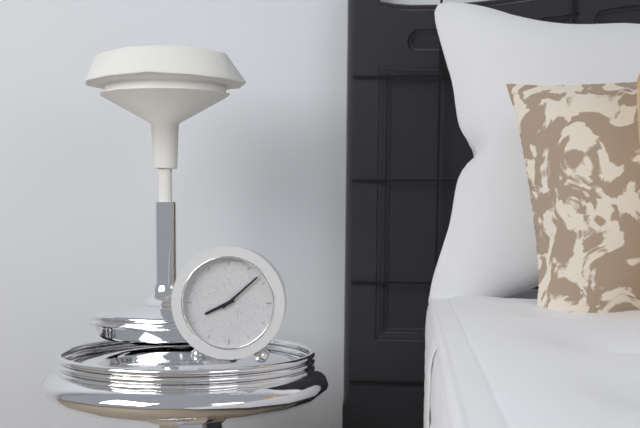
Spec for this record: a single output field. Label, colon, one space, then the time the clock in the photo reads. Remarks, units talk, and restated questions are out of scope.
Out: 8:08
